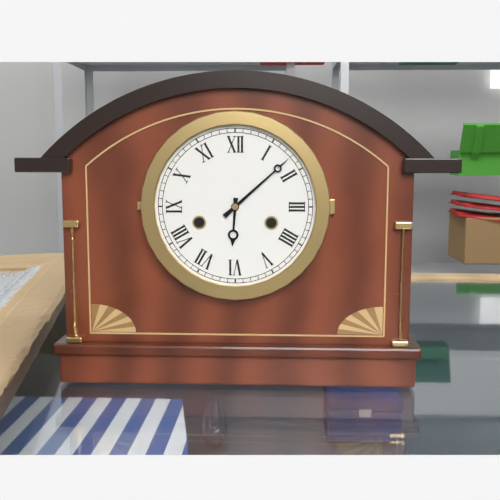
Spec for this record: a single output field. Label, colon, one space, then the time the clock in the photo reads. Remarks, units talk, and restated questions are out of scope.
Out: 6:08
